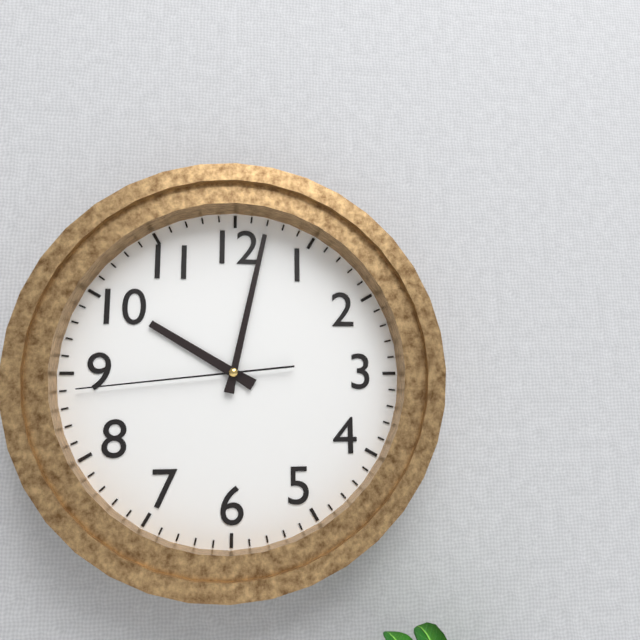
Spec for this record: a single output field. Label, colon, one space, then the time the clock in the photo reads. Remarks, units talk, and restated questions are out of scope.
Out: 10:02:44
